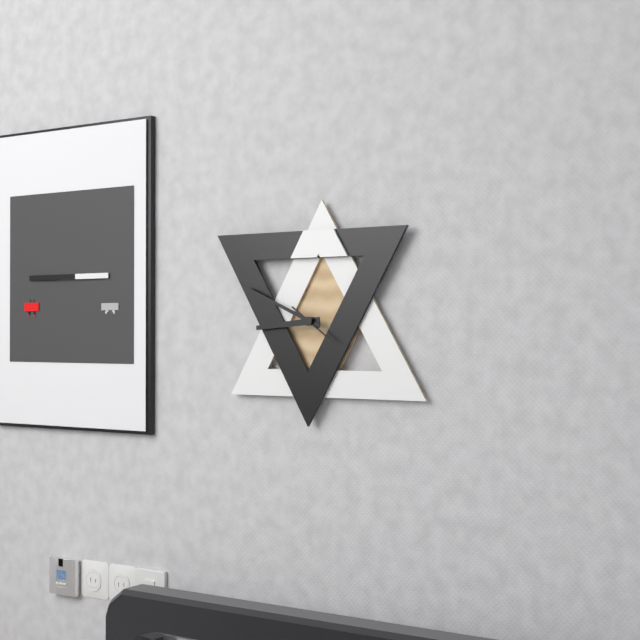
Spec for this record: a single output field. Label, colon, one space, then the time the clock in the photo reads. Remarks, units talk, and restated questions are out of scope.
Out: 8:49
